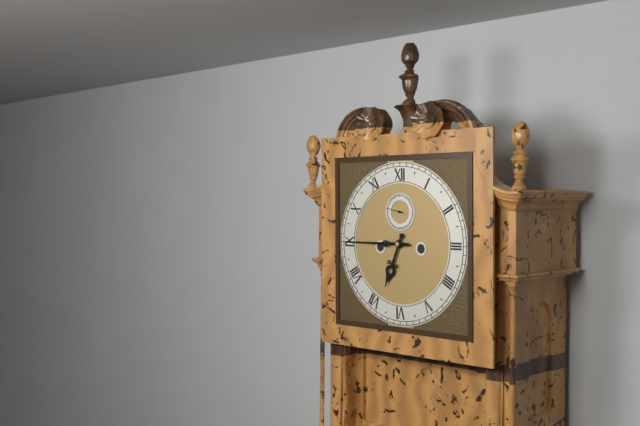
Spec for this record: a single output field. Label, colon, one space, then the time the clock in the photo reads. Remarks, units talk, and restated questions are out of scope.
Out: 6:45
